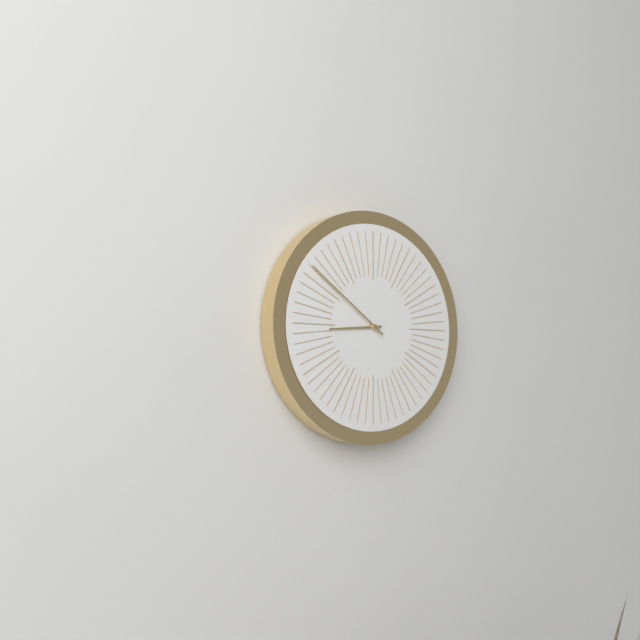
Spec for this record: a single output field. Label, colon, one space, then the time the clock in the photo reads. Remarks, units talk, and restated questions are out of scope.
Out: 8:51
